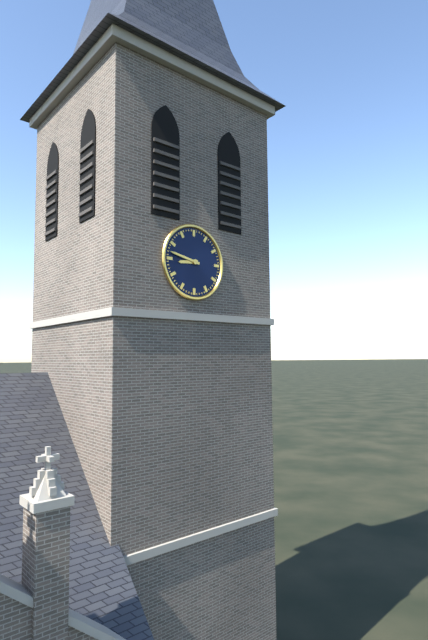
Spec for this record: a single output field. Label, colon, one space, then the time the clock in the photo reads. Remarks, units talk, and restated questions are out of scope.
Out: 8:47
